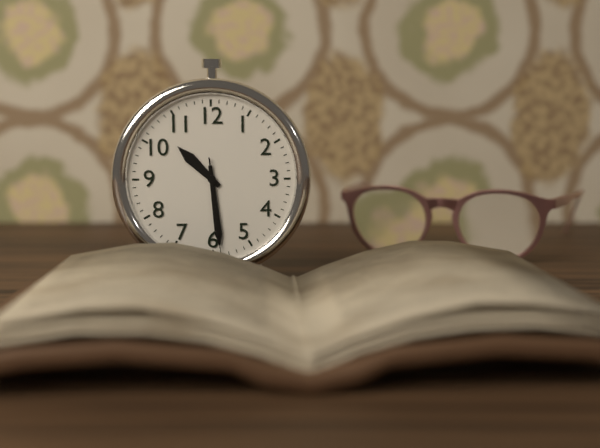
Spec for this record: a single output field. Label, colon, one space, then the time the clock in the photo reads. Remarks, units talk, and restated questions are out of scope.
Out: 10:29:29
